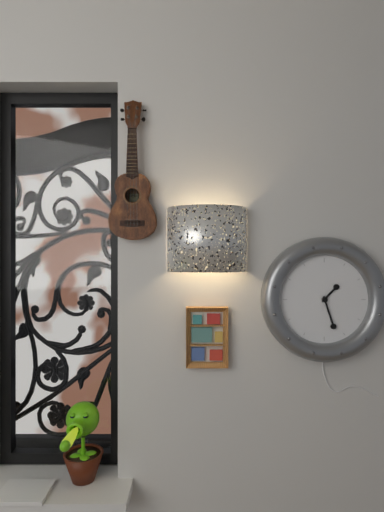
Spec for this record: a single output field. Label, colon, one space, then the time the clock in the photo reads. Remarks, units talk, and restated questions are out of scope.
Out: 1:27
